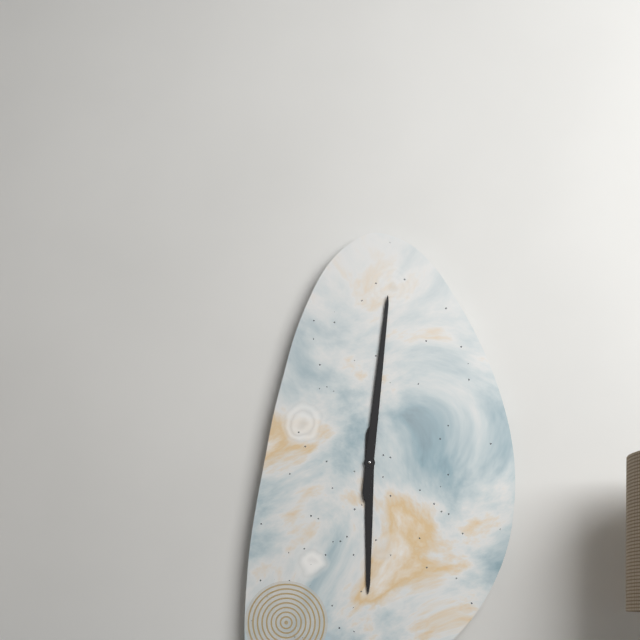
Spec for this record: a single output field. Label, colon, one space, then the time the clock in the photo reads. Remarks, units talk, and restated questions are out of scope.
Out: 6:01
